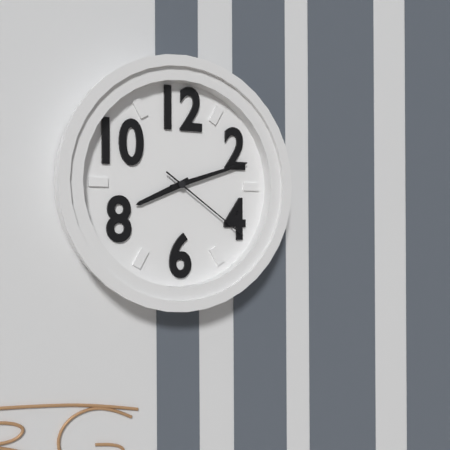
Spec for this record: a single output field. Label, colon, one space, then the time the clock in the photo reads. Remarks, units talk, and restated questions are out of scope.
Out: 8:12:21
